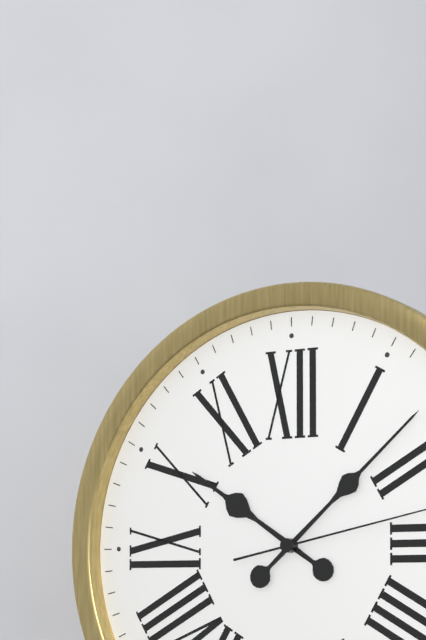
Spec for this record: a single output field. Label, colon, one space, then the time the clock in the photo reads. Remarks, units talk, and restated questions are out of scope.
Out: 10:08
